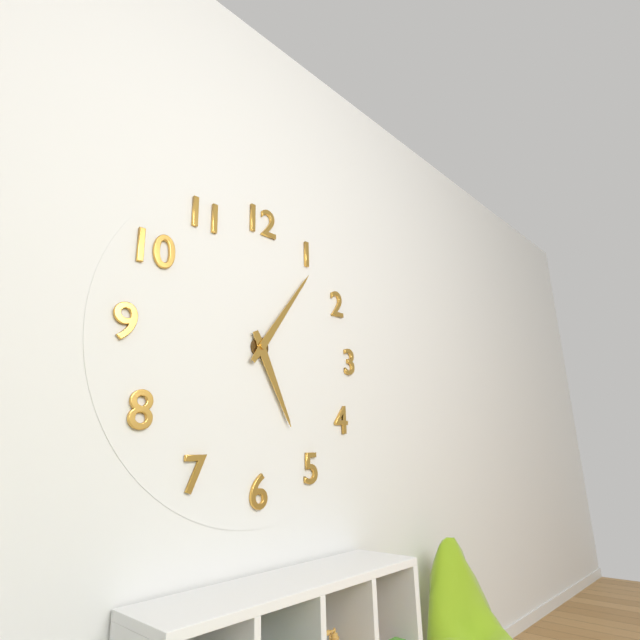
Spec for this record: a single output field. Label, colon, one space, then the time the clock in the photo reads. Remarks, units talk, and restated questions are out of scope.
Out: 5:06
